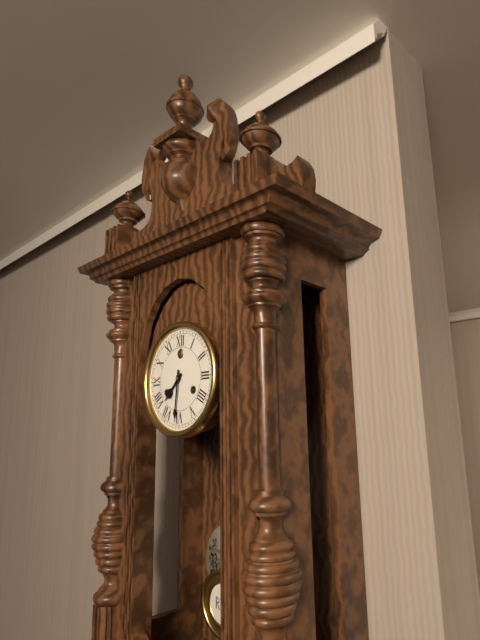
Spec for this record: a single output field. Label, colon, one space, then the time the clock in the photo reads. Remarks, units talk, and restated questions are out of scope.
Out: 7:31
